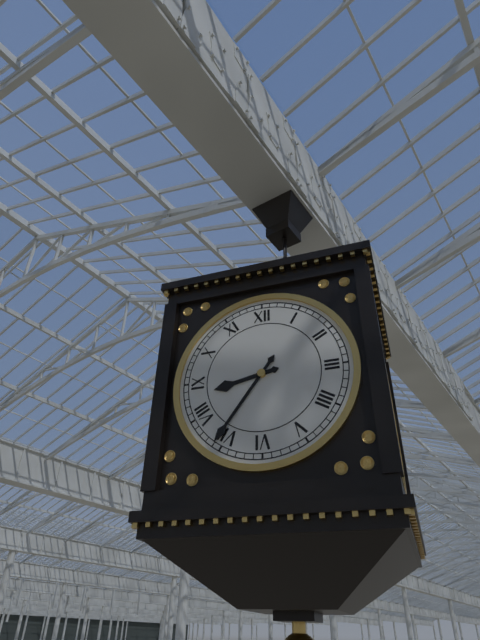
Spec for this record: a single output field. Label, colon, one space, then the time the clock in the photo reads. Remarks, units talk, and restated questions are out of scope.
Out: 8:36
